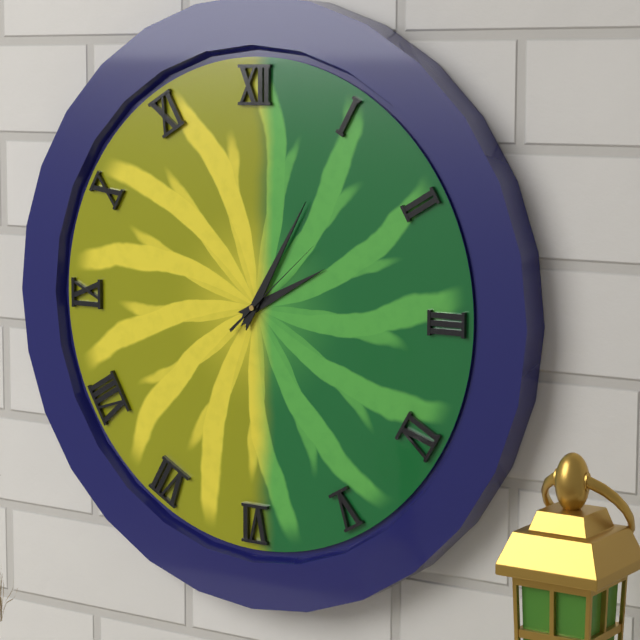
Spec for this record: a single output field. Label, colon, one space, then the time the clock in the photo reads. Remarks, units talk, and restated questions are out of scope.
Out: 2:05:08
